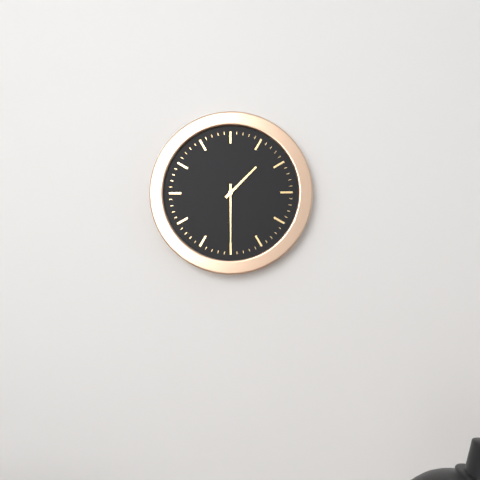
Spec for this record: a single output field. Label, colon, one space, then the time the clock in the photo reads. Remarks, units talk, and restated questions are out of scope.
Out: 1:30
